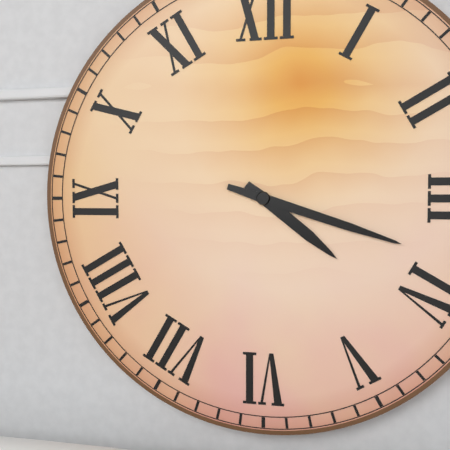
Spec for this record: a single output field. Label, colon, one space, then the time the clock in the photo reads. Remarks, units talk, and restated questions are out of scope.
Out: 4:18
